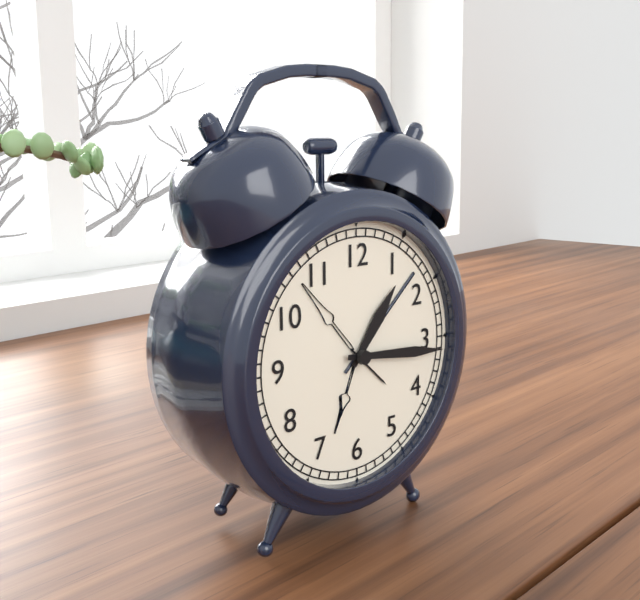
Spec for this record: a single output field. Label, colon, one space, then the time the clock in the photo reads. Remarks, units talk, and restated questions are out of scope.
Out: 1:16
